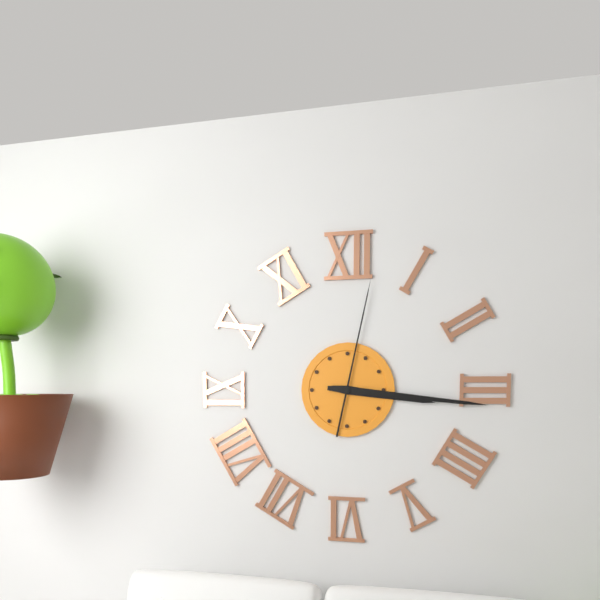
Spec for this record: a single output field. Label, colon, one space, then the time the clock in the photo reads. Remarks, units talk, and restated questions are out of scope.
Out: 3:16:02
